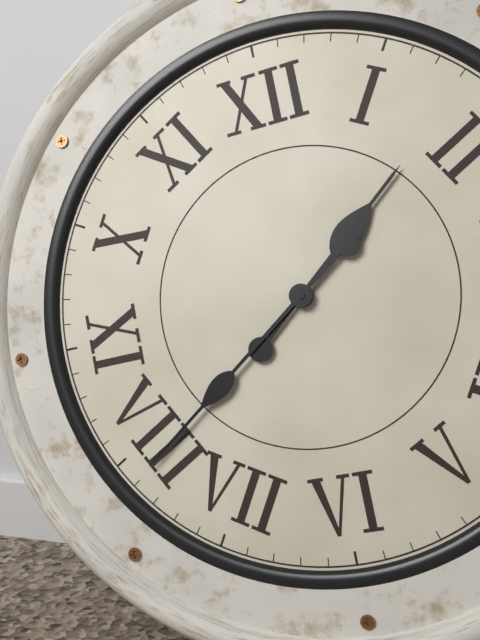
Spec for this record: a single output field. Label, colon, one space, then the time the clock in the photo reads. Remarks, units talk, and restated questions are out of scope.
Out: 1:39
